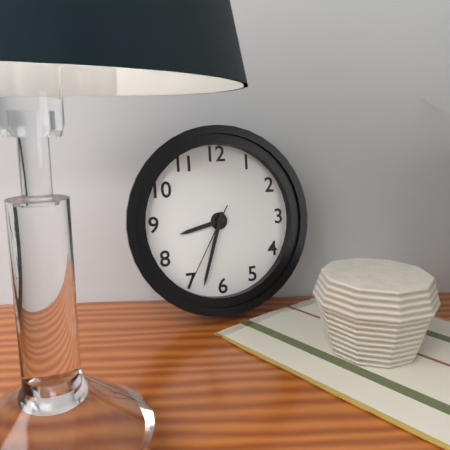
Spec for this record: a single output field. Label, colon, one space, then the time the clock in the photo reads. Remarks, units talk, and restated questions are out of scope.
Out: 8:33:35
